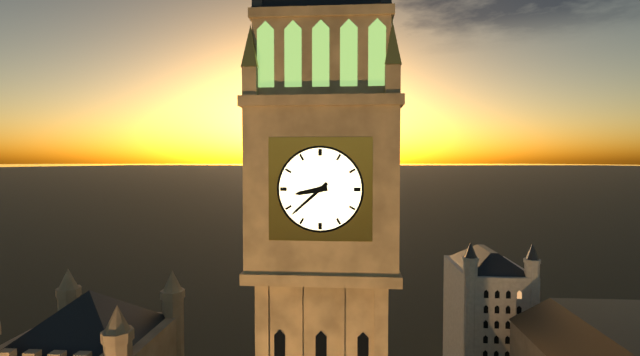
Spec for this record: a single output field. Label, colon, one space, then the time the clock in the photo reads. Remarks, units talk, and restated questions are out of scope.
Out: 8:38
